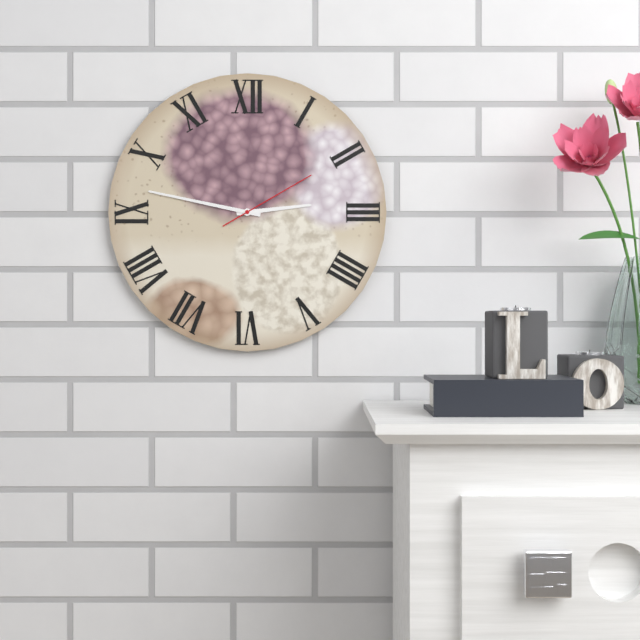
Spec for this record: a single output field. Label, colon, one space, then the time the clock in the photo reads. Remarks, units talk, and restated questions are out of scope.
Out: 2:47:10
